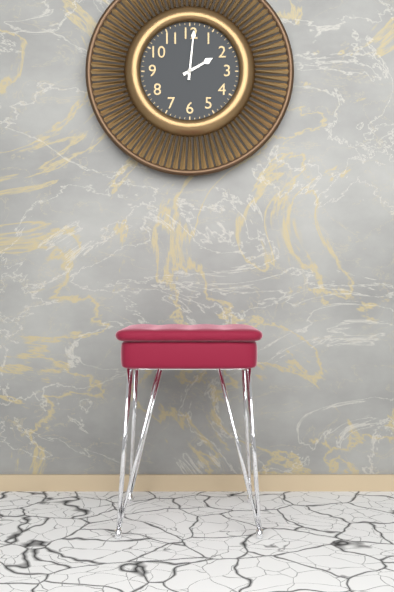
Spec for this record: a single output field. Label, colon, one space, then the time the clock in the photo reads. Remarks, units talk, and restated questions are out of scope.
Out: 2:01
